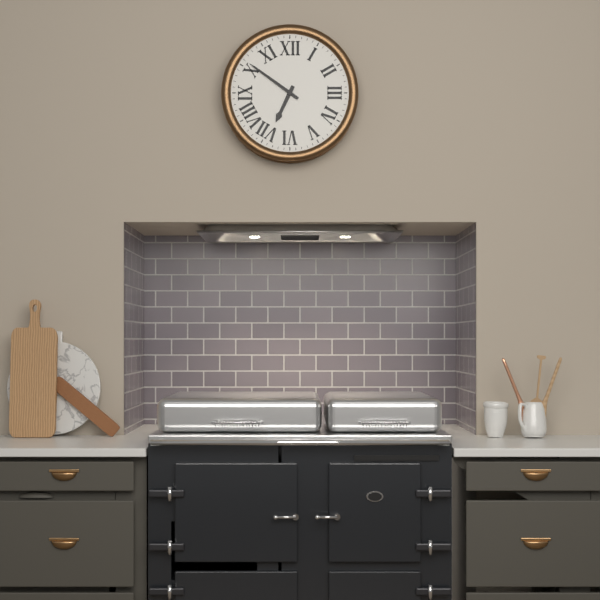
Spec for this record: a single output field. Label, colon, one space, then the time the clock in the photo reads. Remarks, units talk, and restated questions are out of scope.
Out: 6:51
